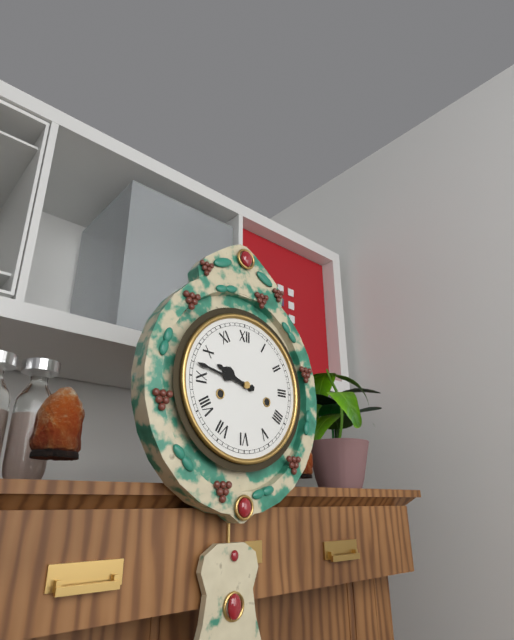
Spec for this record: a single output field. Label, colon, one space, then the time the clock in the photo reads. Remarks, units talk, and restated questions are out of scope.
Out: 9:47
